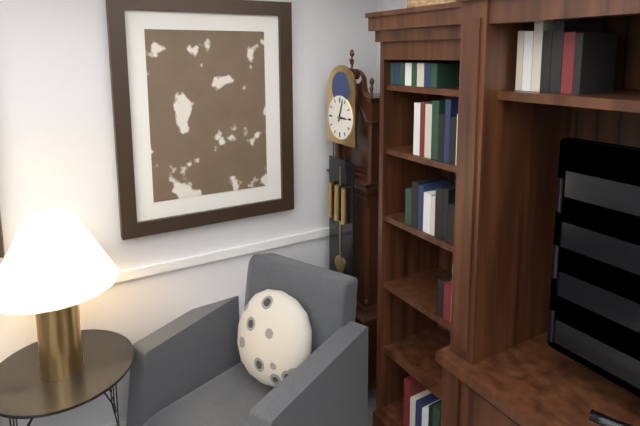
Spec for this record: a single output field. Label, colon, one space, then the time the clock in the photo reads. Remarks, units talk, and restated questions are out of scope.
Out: 3:03
